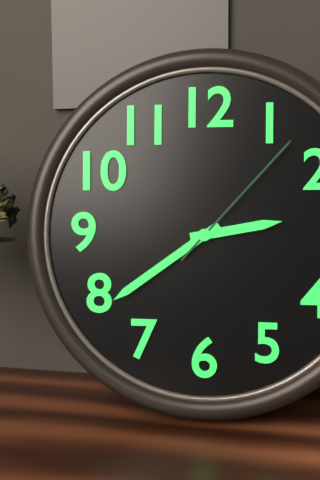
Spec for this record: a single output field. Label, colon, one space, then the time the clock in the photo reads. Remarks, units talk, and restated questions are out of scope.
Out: 2:39:07
